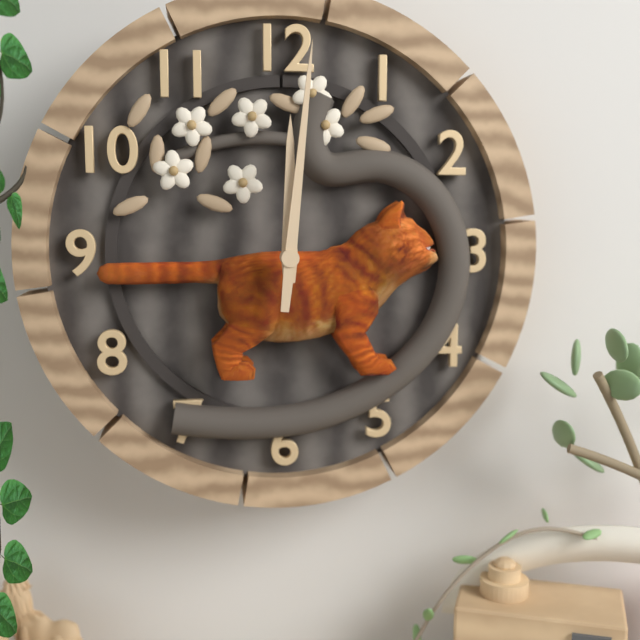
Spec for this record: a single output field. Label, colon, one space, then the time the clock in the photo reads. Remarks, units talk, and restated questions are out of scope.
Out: 12:01
